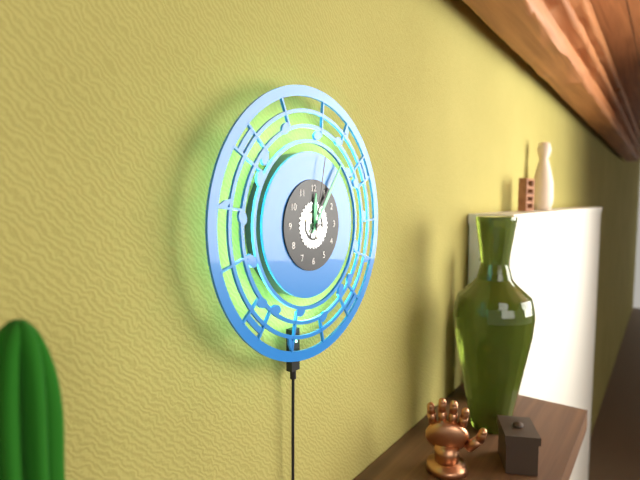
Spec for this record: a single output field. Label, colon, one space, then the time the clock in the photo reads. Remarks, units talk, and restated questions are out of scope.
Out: 12:06:02
